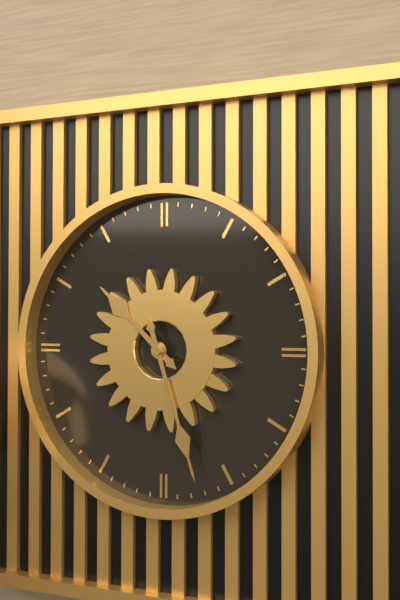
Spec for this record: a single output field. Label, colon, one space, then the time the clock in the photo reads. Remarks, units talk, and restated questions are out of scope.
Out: 10:27
